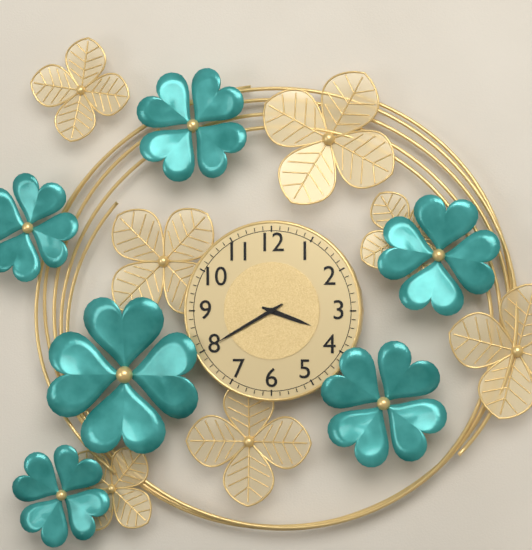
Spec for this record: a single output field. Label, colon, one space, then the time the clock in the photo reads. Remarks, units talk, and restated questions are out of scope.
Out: 3:40
